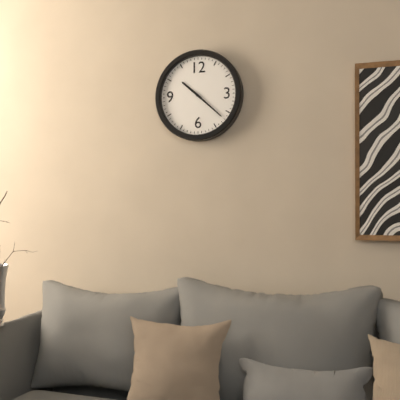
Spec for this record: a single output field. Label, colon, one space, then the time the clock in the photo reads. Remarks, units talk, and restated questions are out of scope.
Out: 10:22
